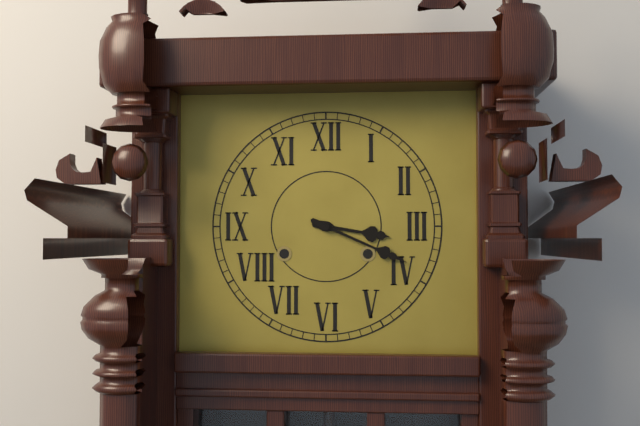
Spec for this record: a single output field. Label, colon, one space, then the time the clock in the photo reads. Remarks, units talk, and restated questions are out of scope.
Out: 3:19
